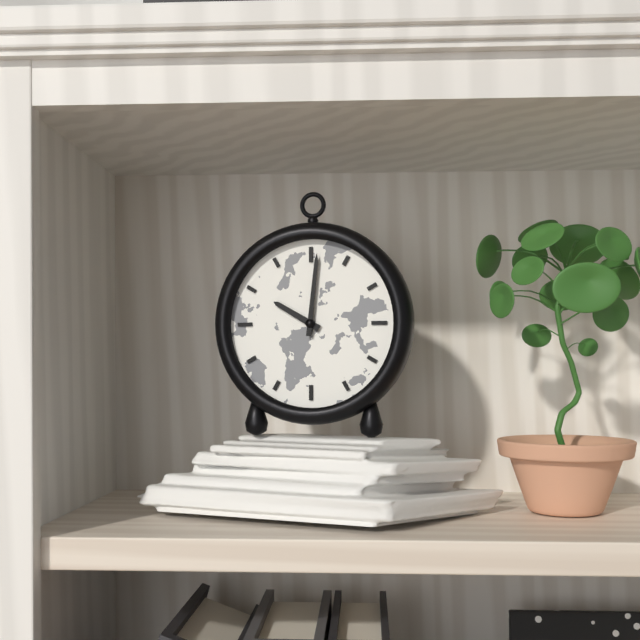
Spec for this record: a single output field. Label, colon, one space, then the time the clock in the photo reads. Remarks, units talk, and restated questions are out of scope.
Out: 10:01
